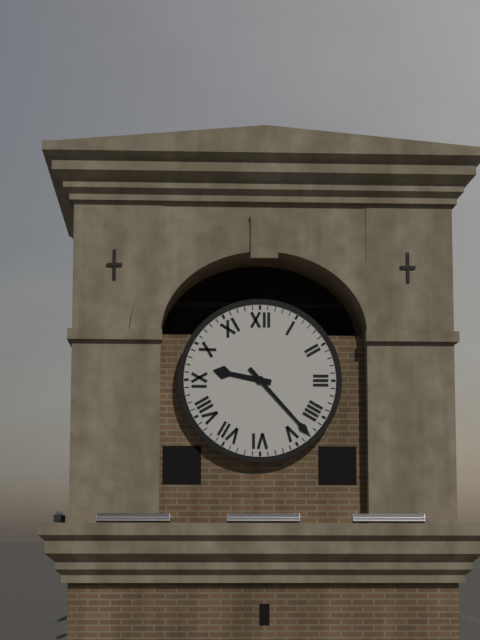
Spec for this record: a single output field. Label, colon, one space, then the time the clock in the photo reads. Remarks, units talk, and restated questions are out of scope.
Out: 9:23
